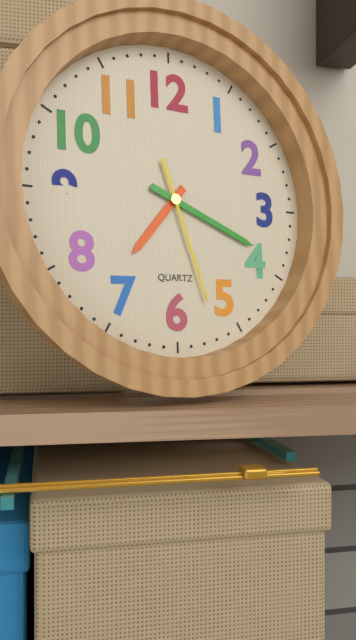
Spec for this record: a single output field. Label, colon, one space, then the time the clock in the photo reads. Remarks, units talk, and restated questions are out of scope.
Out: 7:19:27
